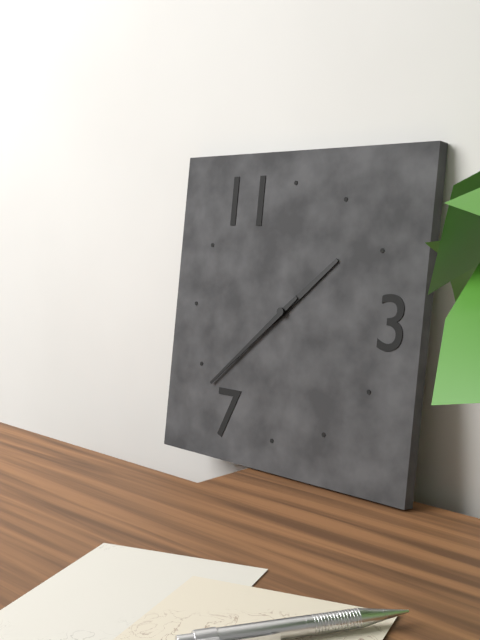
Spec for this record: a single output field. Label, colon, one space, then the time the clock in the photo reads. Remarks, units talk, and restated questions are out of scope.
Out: 1:38
